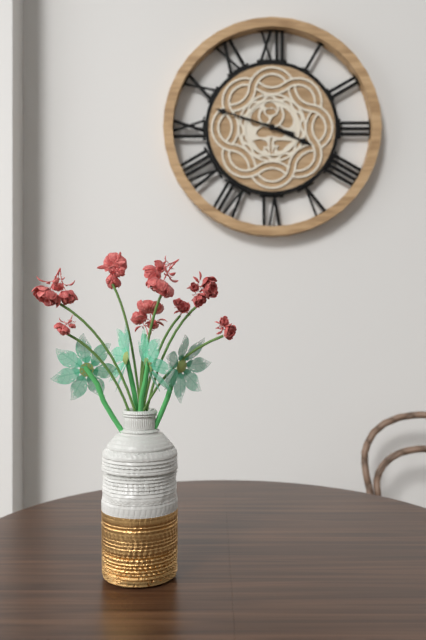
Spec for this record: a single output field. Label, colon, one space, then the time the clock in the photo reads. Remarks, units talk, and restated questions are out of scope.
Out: 3:48
